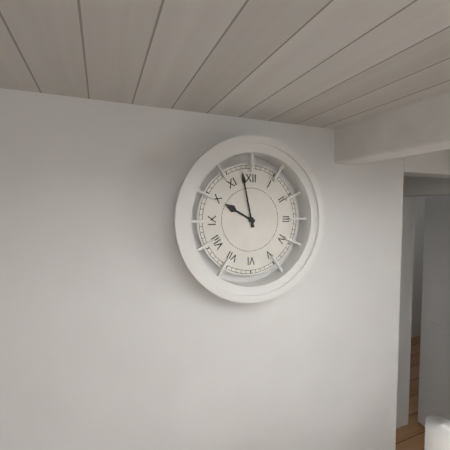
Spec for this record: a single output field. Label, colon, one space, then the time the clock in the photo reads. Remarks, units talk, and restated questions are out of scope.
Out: 9:58
